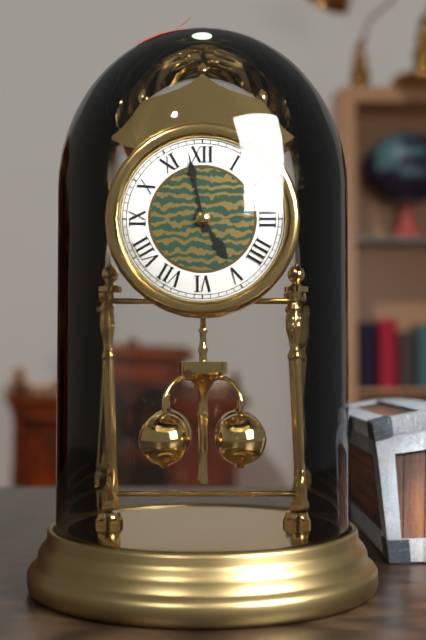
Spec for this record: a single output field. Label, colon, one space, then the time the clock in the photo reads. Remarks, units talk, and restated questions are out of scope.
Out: 4:58
